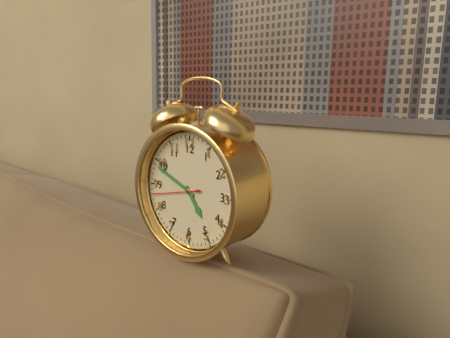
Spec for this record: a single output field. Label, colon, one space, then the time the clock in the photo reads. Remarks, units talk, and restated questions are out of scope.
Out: 4:49
